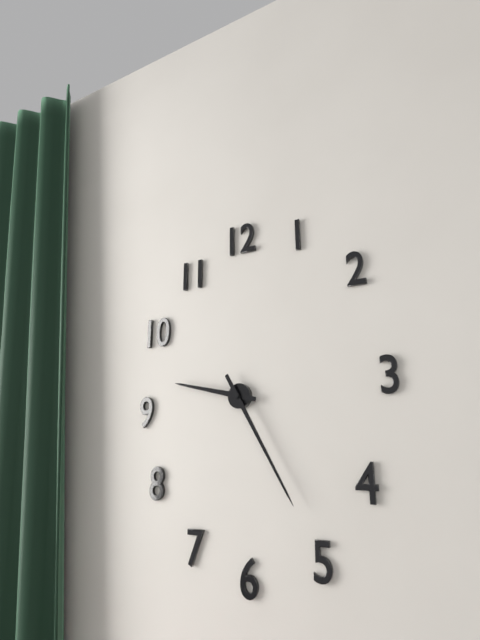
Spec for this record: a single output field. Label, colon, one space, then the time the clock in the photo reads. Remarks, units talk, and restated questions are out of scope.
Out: 9:25
